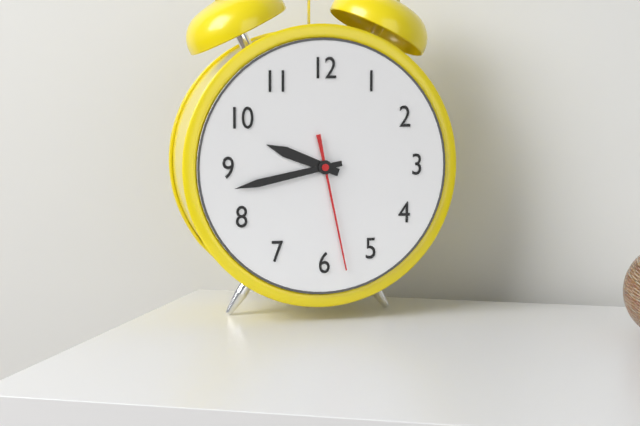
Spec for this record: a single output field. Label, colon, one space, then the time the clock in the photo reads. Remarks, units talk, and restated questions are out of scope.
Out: 9:43:28
